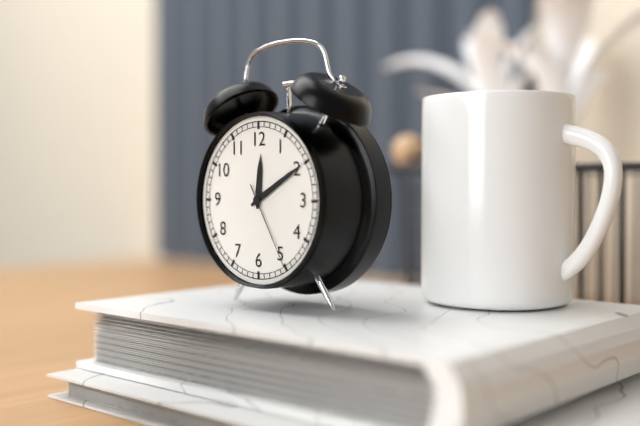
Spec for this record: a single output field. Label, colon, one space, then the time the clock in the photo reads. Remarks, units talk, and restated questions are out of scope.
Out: 12:10:25
